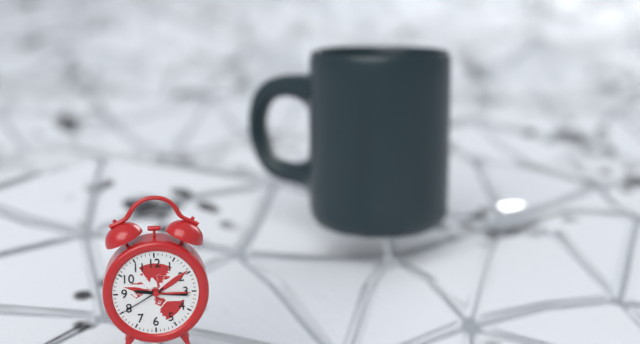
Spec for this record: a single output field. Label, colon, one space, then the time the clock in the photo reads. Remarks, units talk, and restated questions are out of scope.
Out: 9:16
